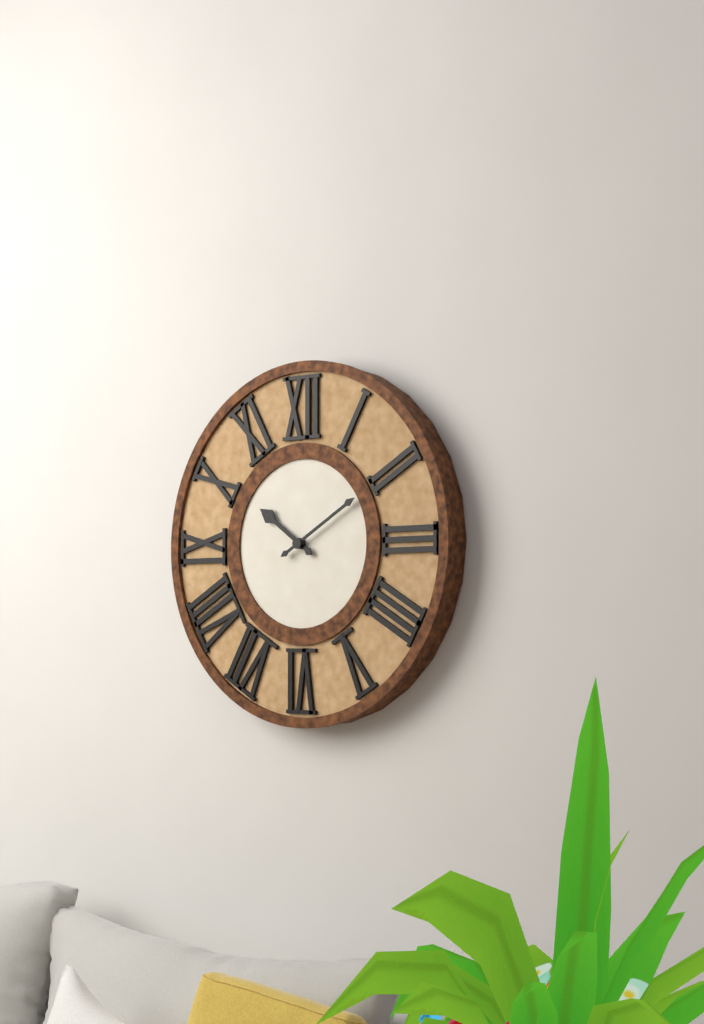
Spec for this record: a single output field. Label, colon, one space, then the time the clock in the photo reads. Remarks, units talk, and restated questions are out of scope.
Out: 10:10
